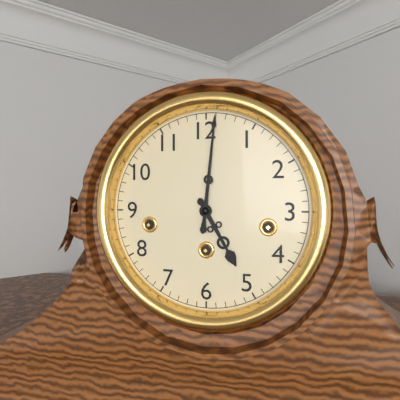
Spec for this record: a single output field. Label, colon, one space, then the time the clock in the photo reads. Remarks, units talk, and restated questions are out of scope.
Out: 5:01
